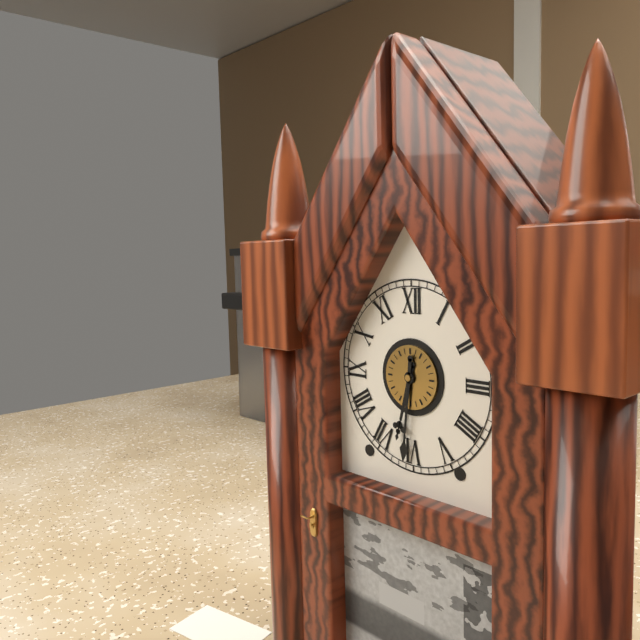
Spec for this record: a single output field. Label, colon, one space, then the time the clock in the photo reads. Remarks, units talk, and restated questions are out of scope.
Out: 6:31
